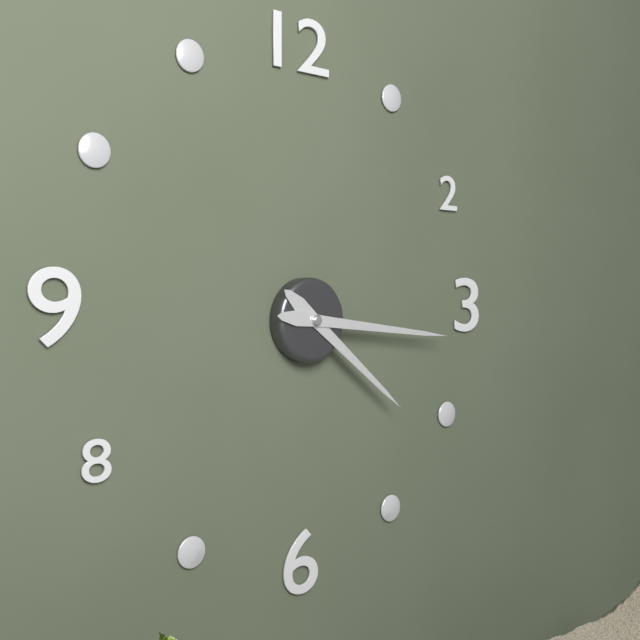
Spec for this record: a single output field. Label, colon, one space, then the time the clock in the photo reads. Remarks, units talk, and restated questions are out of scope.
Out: 4:16
